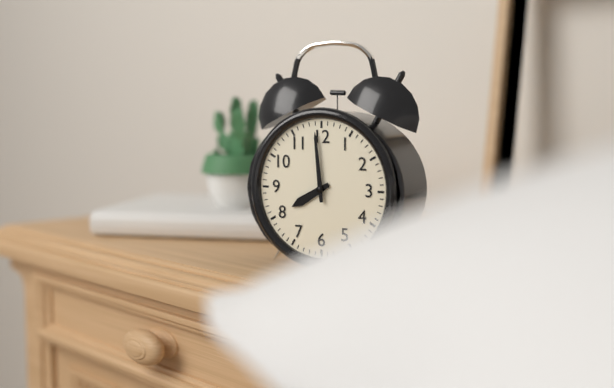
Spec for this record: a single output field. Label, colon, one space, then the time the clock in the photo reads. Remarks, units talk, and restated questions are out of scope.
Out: 7:59
